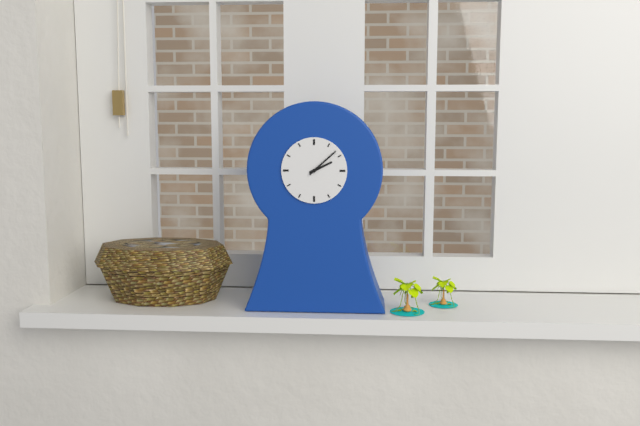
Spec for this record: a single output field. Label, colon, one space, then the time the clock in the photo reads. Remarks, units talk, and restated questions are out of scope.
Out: 2:08
